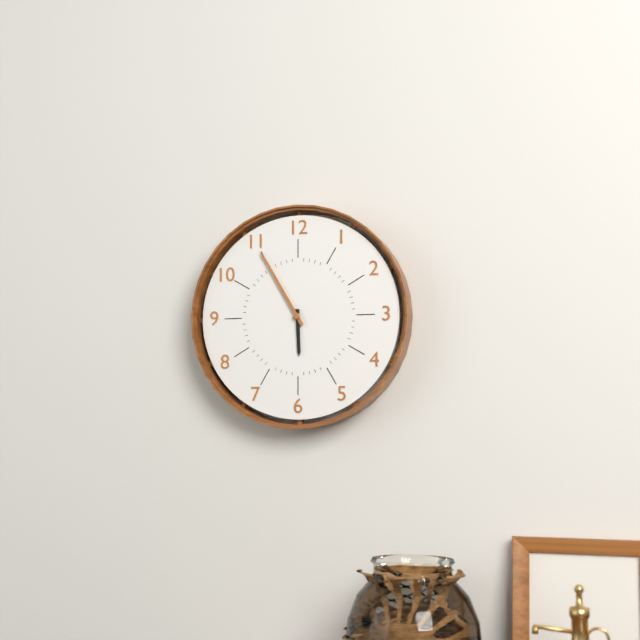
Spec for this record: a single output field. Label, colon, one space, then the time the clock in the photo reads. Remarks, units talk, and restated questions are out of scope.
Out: 5:55
